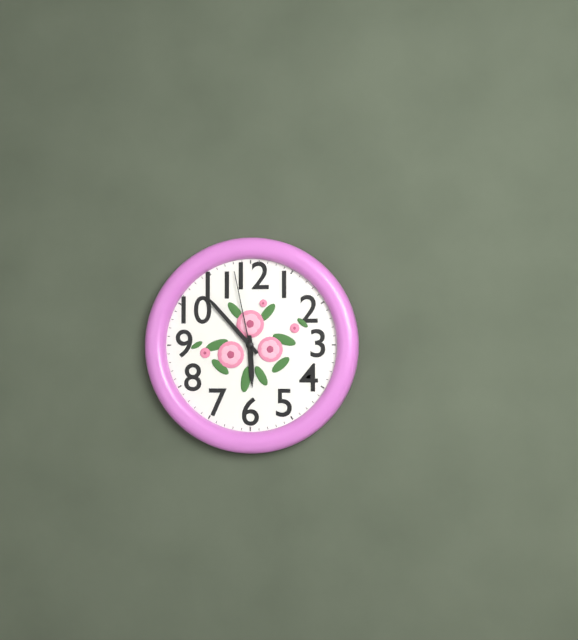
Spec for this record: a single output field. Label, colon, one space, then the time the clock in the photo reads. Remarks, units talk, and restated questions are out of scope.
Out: 5:53:58
